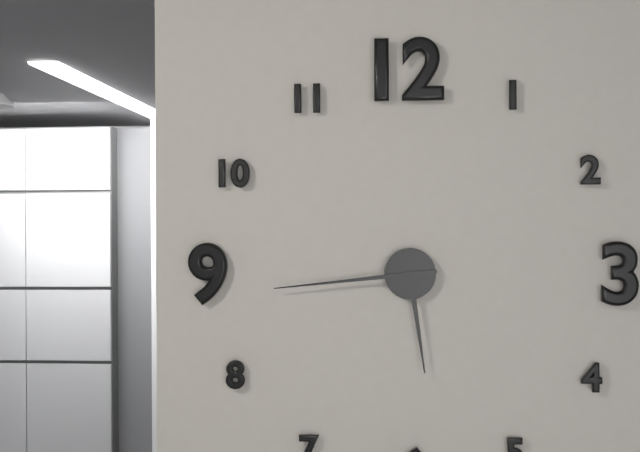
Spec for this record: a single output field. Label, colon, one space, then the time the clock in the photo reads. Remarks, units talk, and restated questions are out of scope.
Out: 5:44
